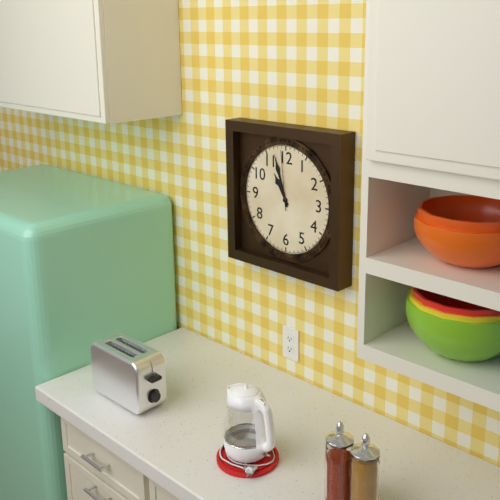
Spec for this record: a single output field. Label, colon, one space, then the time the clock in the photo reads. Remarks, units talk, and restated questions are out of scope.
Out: 10:57:59
